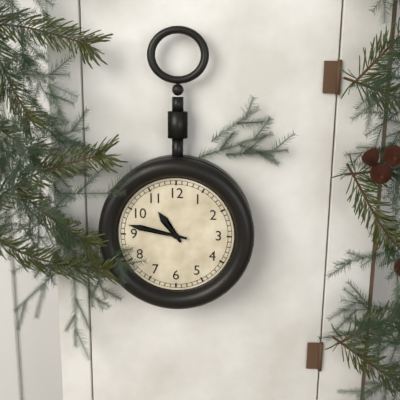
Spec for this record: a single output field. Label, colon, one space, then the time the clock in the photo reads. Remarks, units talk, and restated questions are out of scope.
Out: 10:47
